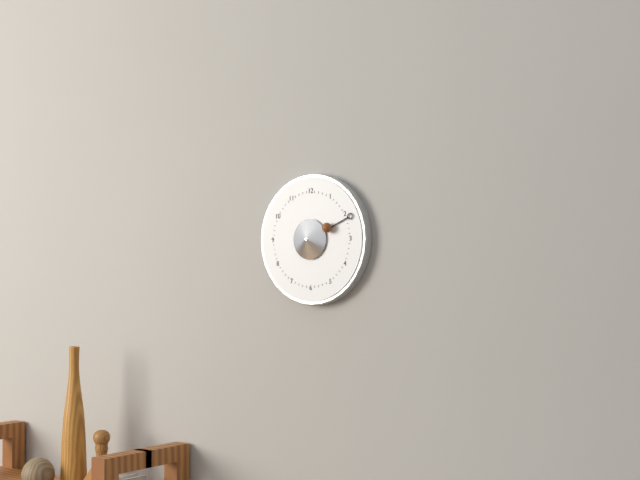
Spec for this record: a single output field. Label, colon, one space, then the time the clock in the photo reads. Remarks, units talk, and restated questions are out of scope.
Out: 2:11
